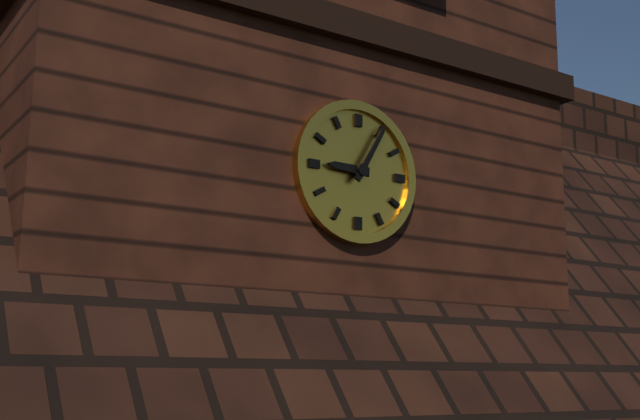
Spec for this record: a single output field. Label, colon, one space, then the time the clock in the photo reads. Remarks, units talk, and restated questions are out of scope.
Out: 9:05
